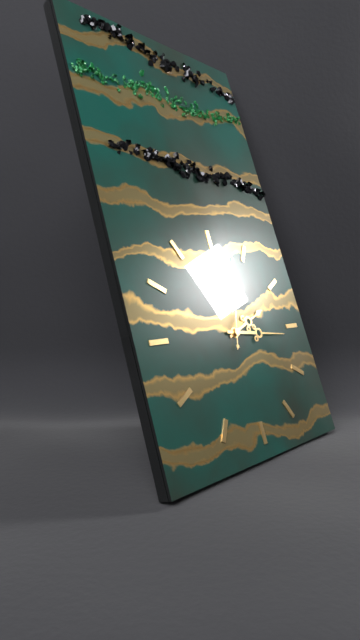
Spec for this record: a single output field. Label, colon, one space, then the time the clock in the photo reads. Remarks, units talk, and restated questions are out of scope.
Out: 2:16:03
